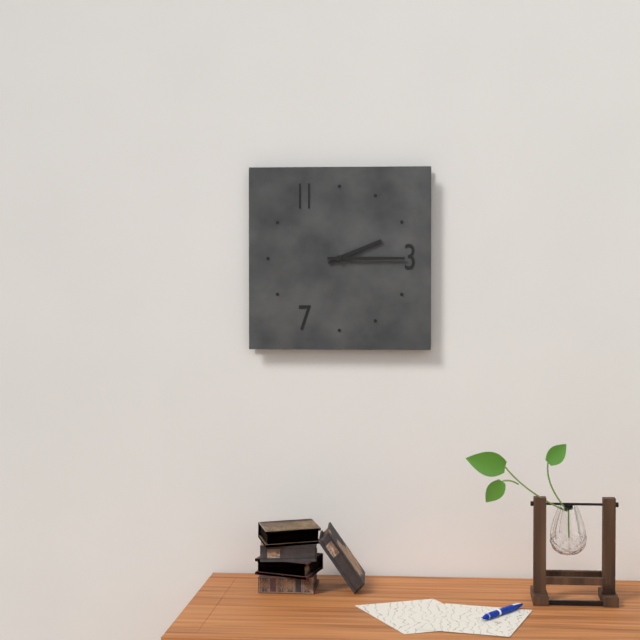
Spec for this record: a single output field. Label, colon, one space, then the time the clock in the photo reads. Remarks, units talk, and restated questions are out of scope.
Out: 2:15
